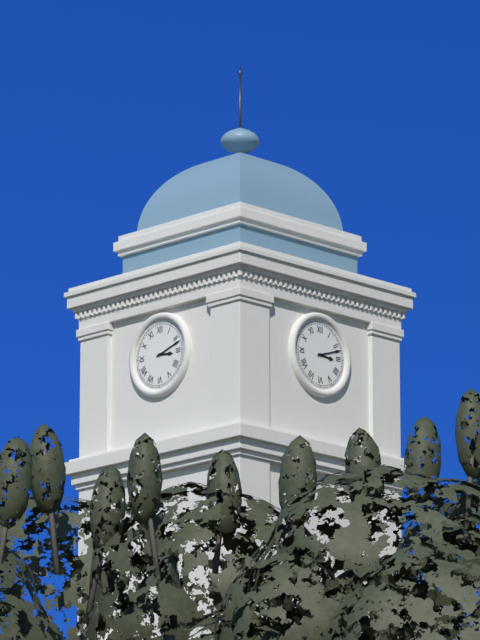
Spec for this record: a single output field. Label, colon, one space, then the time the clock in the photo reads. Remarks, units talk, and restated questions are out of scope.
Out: 3:12
